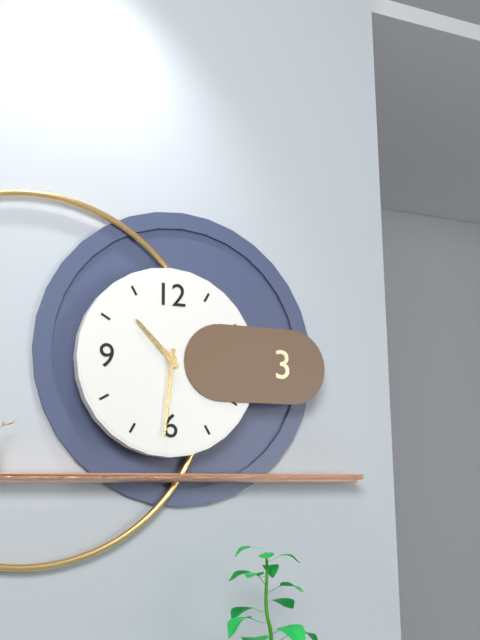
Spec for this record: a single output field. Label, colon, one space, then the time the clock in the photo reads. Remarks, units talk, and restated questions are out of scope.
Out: 10:31
